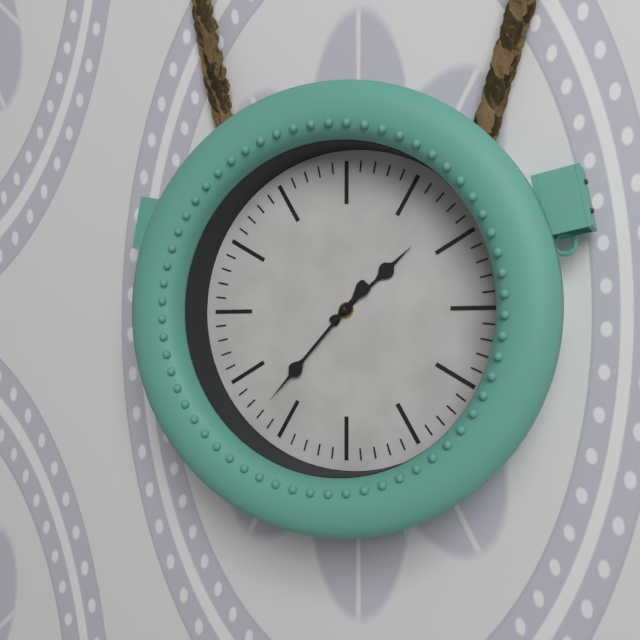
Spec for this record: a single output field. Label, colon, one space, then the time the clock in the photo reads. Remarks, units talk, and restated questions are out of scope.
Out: 1:37
